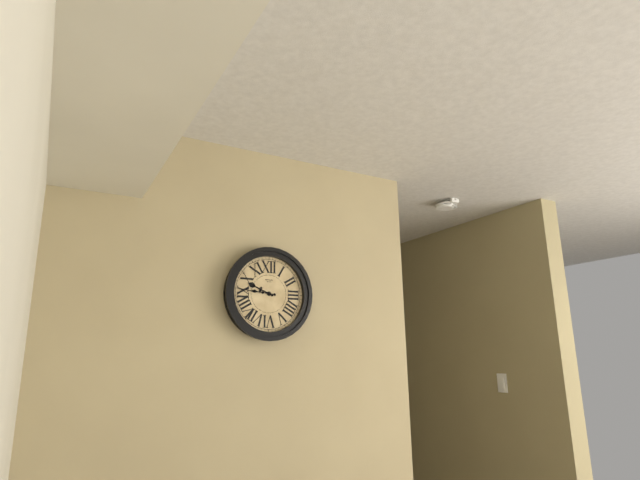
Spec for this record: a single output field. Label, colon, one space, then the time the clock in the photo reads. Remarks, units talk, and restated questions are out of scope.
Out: 9:46
